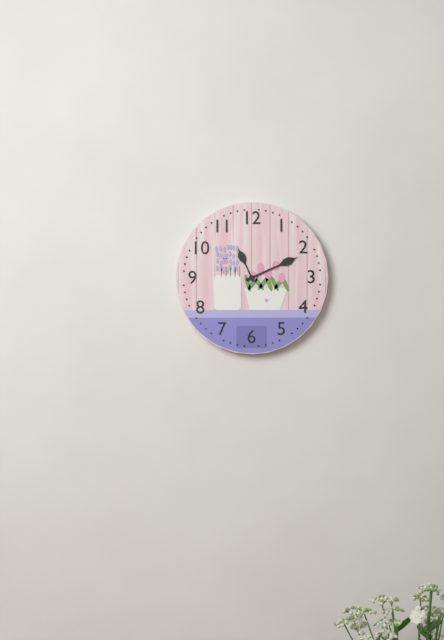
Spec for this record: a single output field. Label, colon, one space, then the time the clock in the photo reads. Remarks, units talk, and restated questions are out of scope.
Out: 11:11
